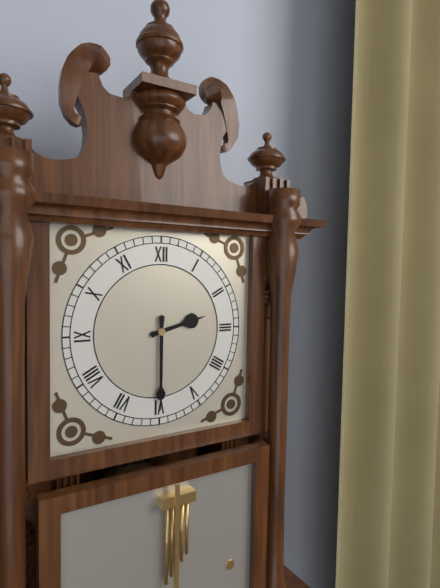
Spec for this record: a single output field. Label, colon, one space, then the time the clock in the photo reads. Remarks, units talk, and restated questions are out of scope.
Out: 2:30
